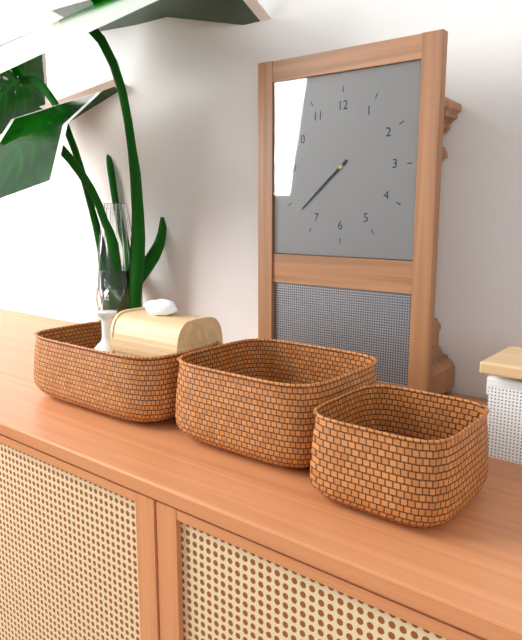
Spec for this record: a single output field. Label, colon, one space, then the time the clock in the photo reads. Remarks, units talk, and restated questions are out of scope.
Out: 7:38
